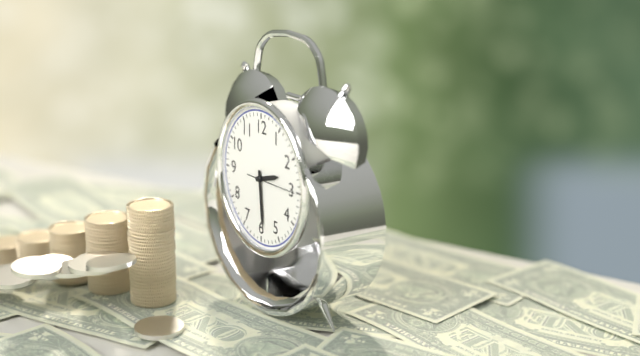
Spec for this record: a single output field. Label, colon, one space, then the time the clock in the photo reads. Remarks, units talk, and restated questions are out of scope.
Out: 2:29
